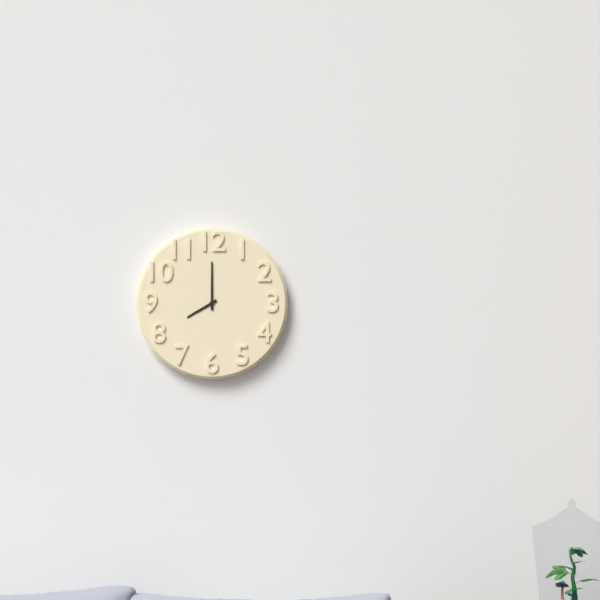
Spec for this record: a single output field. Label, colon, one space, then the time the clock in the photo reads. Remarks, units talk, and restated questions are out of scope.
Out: 8:00
